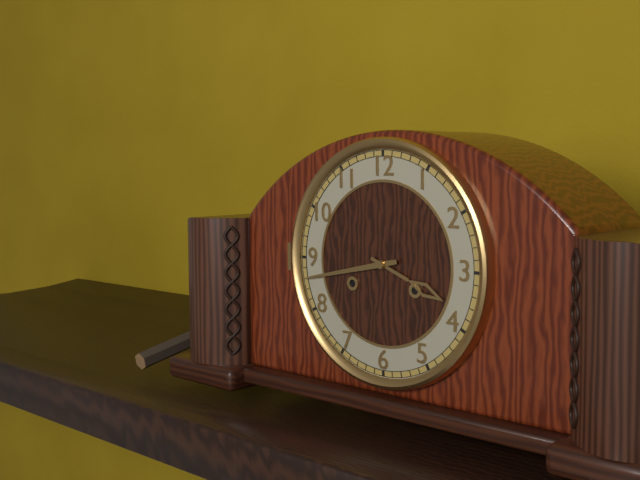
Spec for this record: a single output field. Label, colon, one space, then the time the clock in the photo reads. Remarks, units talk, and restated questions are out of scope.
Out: 3:43
